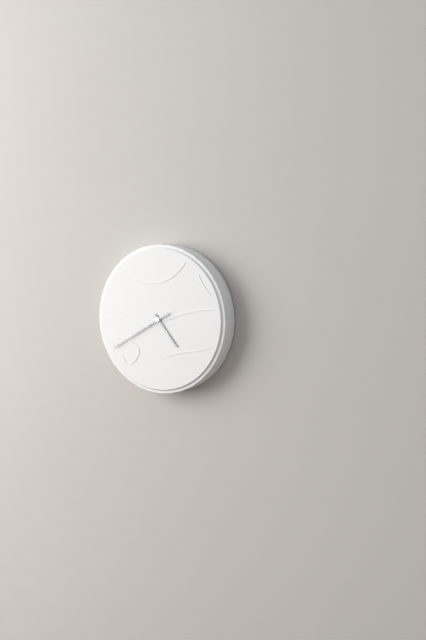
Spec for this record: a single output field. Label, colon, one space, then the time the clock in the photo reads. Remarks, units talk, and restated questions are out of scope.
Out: 4:40
